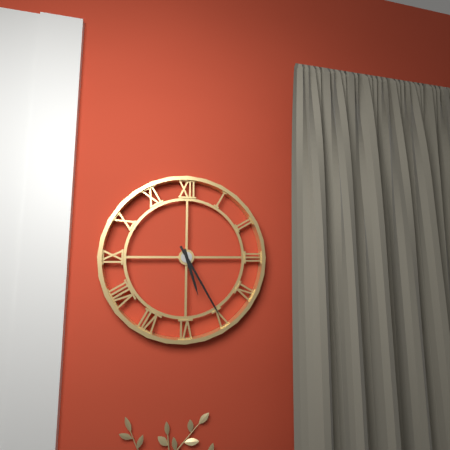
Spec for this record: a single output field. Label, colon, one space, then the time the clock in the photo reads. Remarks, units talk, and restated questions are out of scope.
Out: 5:25
